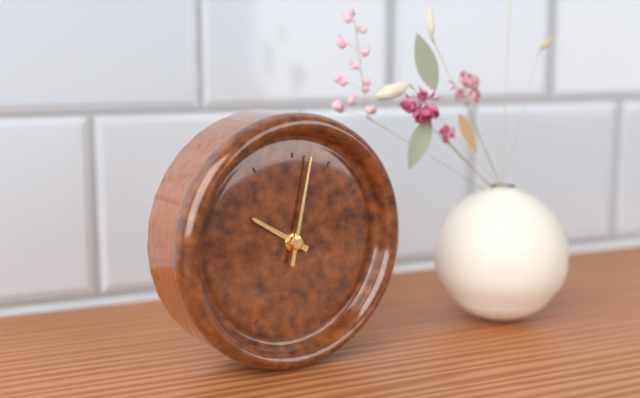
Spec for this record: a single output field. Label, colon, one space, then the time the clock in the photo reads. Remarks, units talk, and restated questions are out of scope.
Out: 10:02
